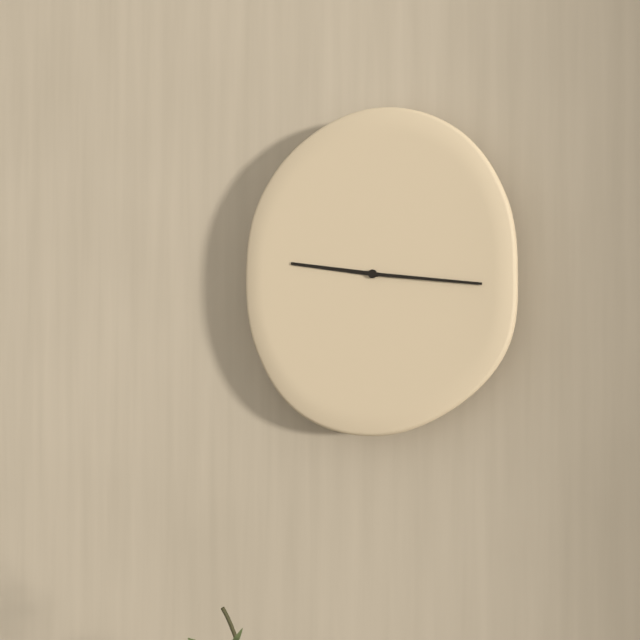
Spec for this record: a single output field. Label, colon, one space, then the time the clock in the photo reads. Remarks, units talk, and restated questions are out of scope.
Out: 9:16
